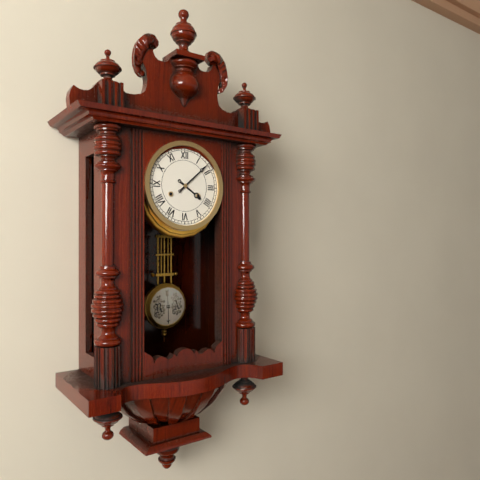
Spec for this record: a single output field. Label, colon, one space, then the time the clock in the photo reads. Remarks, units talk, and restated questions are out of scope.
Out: 4:08
